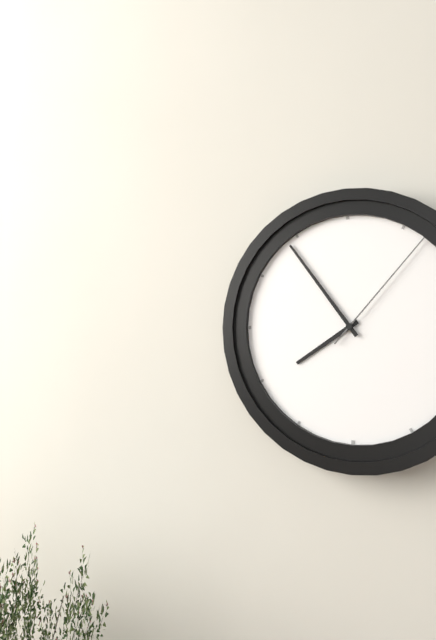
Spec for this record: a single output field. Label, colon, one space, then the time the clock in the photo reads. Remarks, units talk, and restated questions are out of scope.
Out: 7:54:07
